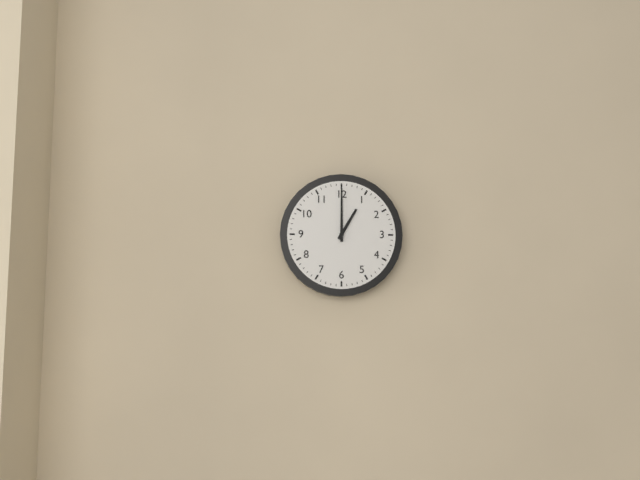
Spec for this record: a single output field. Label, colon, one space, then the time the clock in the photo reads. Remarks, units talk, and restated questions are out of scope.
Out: 1:00
